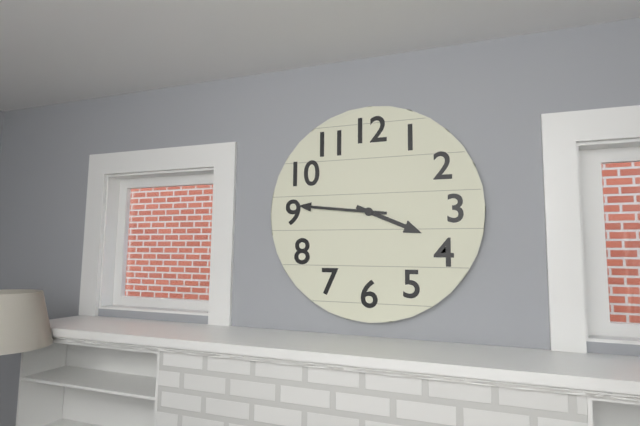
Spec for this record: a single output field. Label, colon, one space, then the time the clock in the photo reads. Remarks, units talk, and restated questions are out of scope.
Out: 3:46
